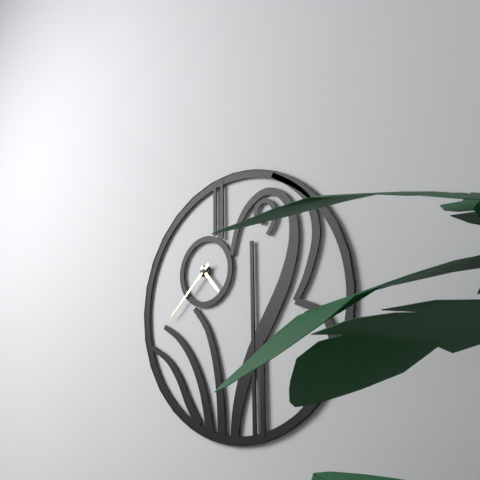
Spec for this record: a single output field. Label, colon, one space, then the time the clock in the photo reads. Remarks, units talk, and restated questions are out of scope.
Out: 4:38
